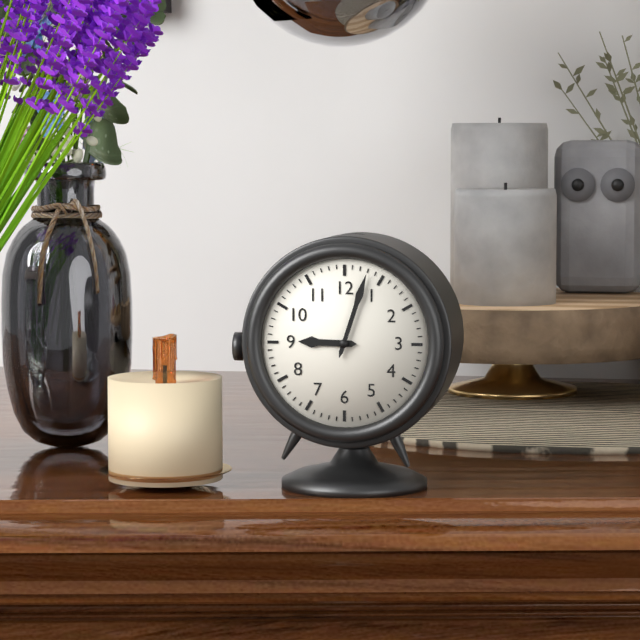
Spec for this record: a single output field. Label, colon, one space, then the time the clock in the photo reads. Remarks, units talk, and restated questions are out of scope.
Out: 9:03
